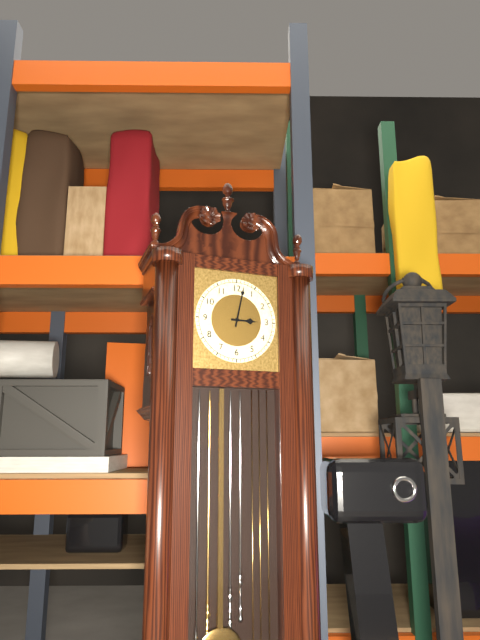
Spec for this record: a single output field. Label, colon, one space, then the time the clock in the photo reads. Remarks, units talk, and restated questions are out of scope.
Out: 3:02
